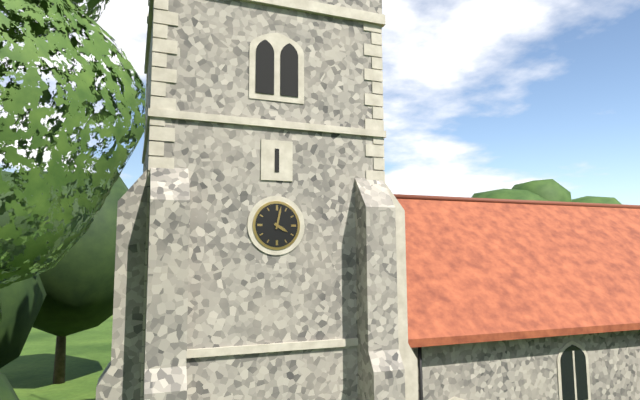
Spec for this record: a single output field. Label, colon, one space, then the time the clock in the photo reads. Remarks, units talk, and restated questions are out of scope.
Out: 4:02
